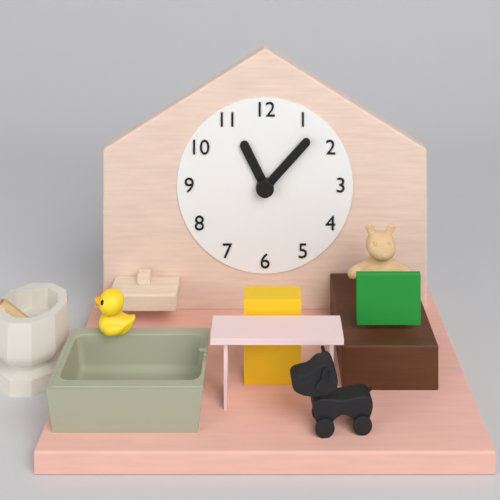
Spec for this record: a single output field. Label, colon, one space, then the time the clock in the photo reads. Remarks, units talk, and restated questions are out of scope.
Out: 11:07
